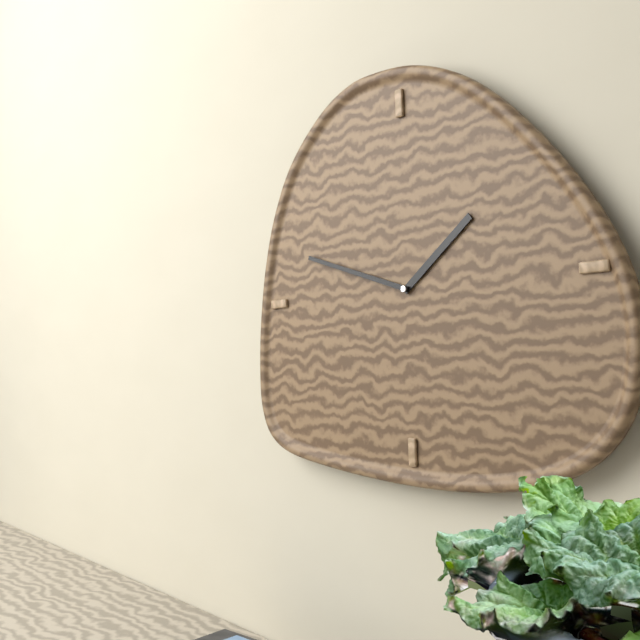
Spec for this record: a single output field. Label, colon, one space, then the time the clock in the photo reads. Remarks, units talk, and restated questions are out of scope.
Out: 1:48
